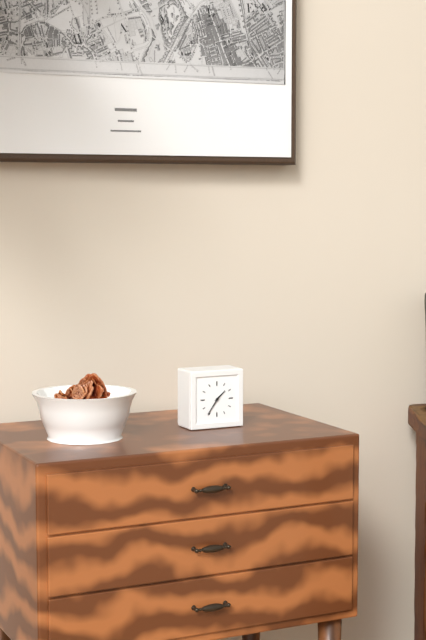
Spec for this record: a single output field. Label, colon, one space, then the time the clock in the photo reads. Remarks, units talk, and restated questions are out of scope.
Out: 1:36
